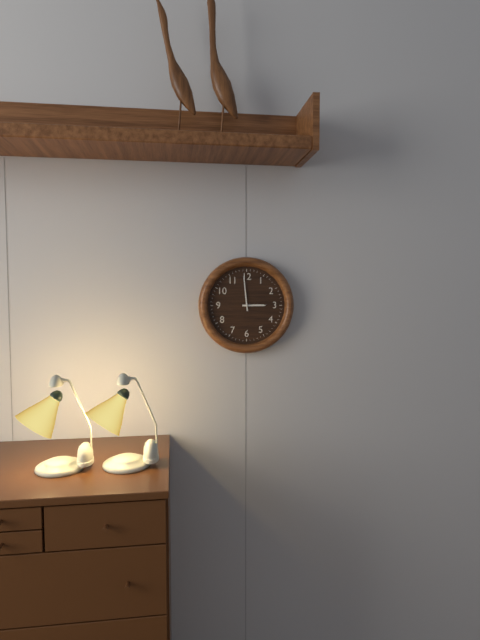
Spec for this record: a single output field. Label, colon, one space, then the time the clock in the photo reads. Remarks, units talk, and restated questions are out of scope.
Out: 2:59
